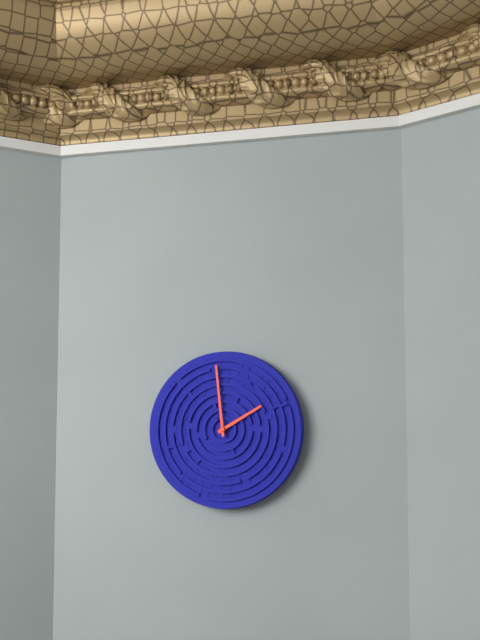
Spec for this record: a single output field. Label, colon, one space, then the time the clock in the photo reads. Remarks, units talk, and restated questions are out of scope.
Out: 1:59
